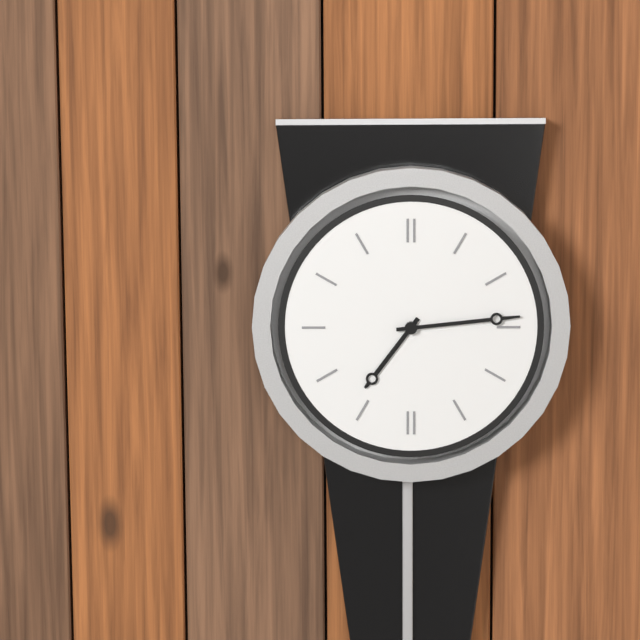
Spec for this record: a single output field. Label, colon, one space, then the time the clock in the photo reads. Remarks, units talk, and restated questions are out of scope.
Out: 7:14
